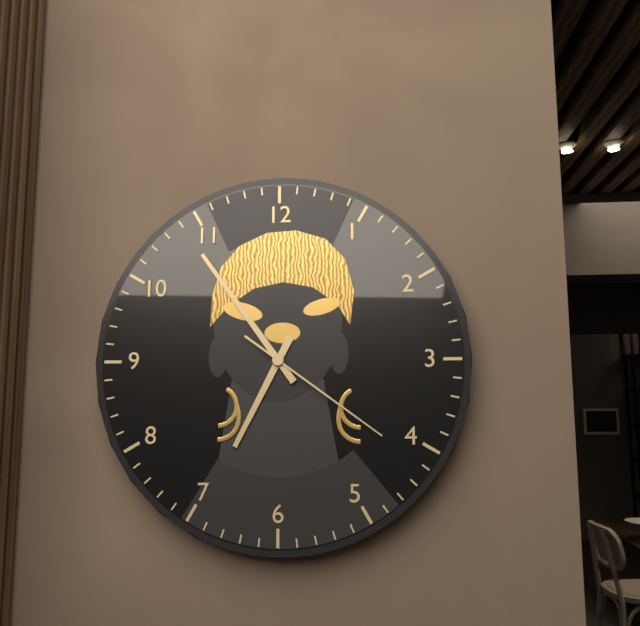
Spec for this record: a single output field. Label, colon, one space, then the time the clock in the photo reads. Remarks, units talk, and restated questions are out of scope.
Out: 6:54:21
